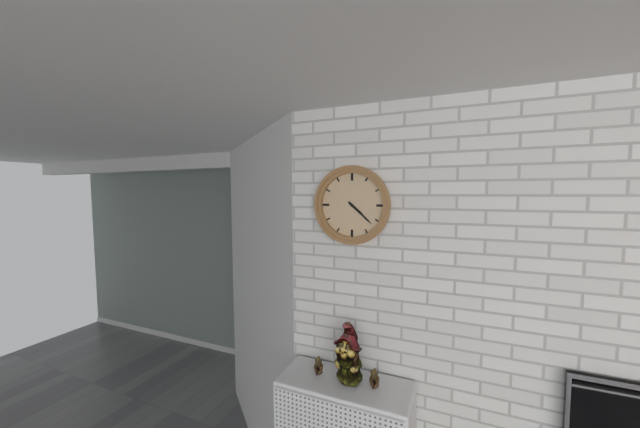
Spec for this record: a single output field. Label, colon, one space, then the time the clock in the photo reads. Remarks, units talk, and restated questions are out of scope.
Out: 4:22
